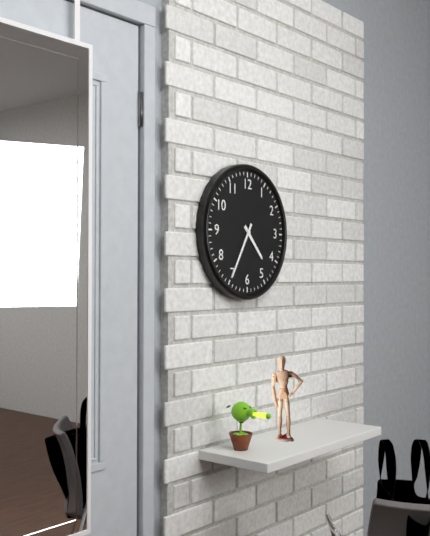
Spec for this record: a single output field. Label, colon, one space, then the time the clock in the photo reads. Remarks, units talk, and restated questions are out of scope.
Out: 4:35
